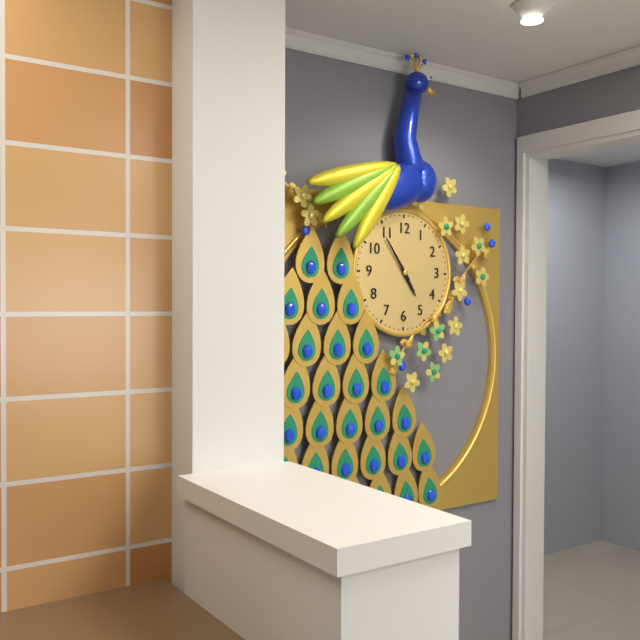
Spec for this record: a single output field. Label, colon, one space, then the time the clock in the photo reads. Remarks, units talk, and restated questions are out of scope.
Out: 4:54
